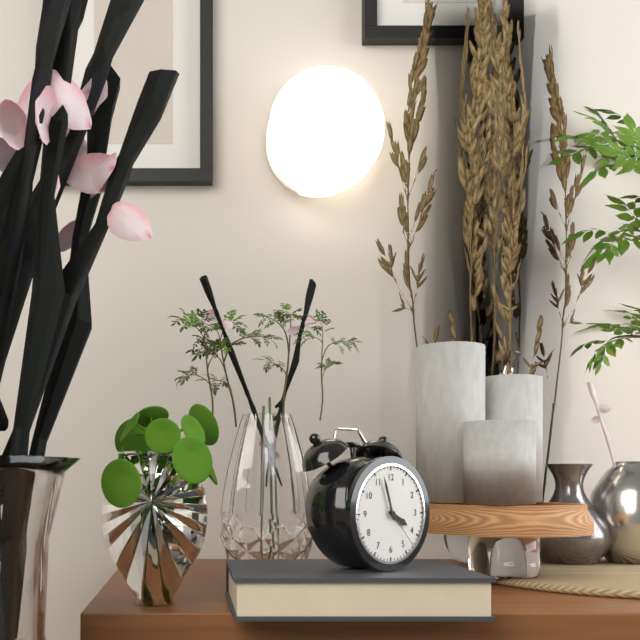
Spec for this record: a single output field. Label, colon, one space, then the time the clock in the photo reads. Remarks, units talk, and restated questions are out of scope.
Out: 3:57
